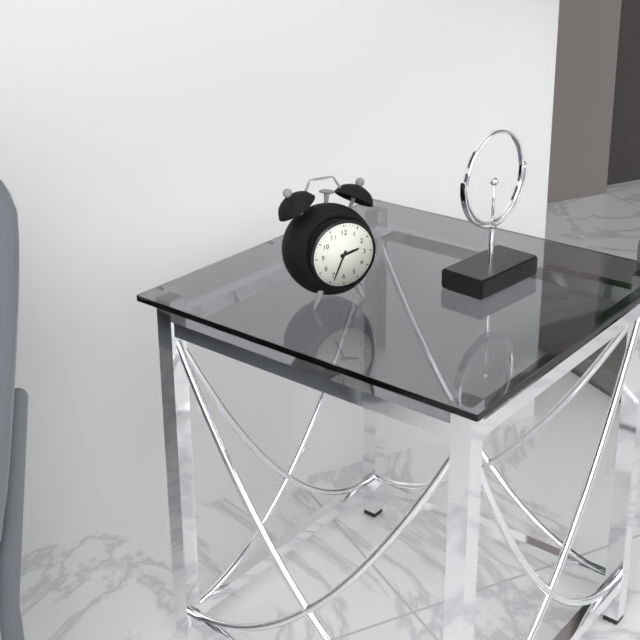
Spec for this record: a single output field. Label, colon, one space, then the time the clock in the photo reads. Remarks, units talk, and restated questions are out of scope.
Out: 2:34
